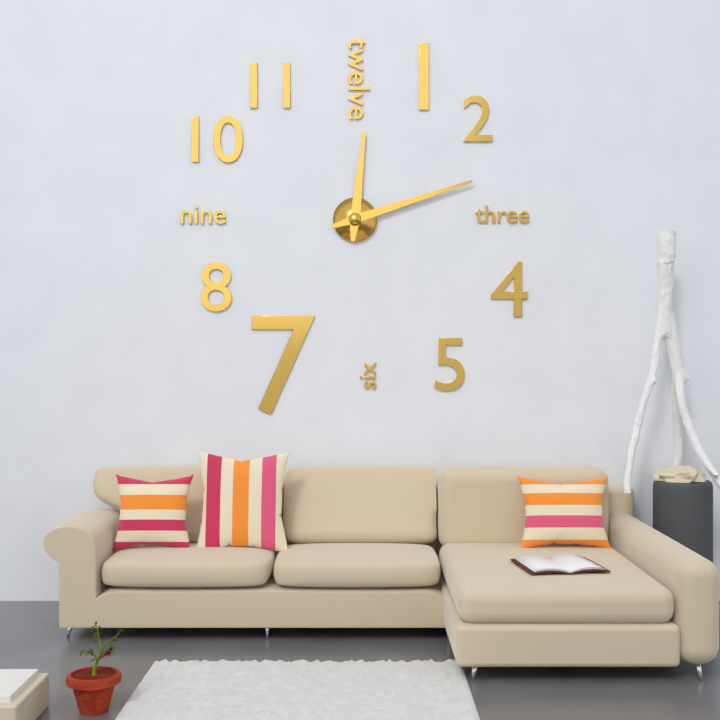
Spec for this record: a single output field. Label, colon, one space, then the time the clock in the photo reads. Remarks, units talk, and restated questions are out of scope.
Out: 12:12
